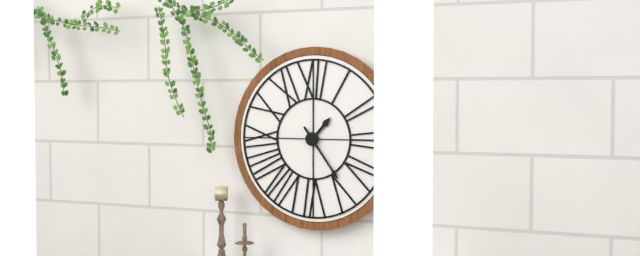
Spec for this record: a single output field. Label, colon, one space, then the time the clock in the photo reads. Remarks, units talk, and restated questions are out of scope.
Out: 1:24
